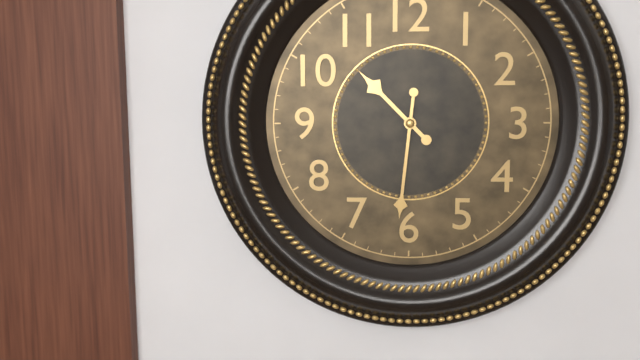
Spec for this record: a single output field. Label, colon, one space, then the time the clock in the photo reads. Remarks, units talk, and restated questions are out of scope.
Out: 10:31
